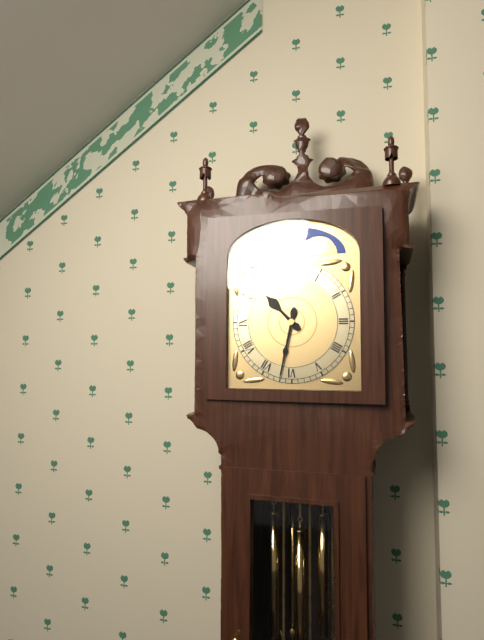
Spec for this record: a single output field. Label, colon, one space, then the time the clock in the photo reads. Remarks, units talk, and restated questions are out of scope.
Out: 10:32
